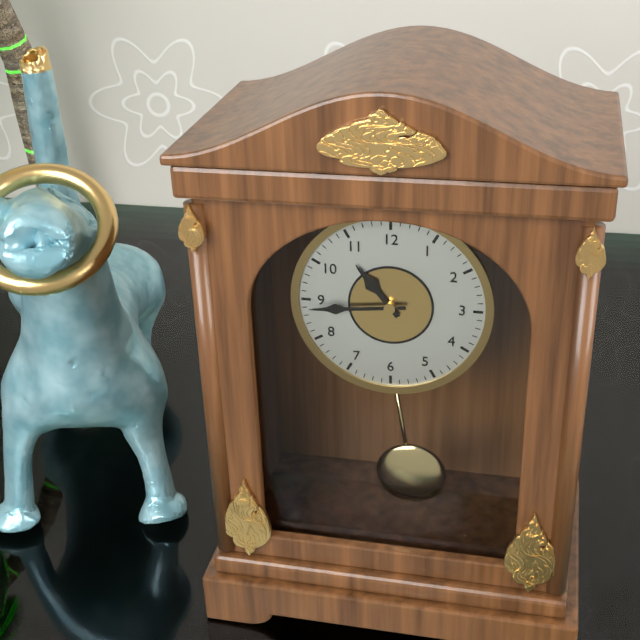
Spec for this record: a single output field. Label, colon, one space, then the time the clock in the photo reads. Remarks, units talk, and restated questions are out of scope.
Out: 10:44
